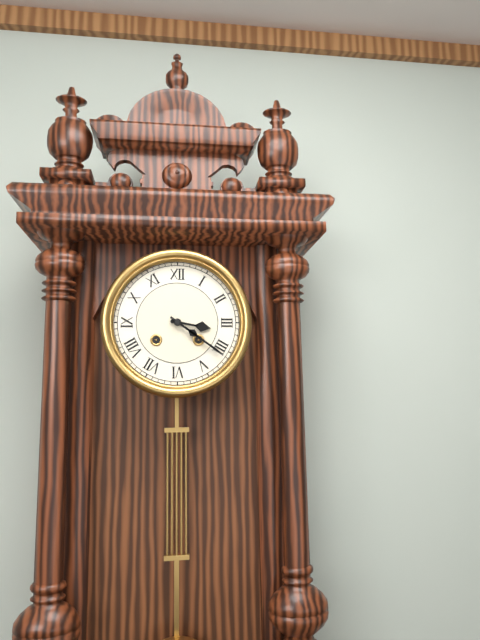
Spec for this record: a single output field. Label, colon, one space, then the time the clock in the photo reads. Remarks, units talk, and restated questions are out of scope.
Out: 3:21
